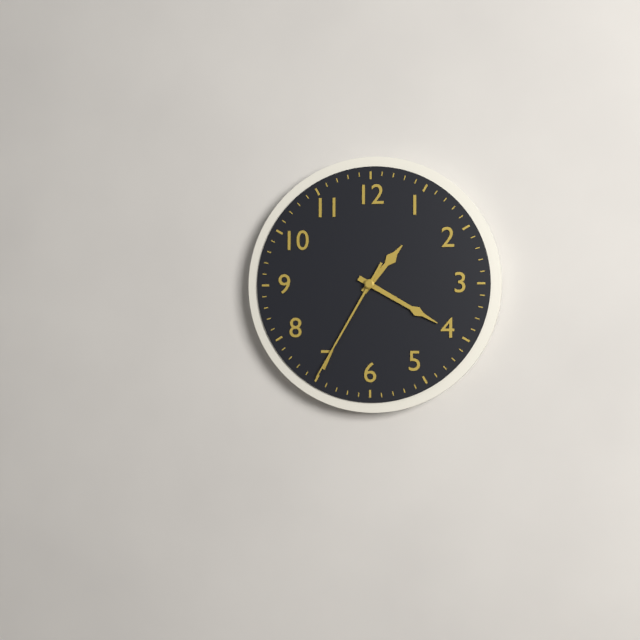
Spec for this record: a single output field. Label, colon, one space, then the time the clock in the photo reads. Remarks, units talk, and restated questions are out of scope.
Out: 1:20:35
